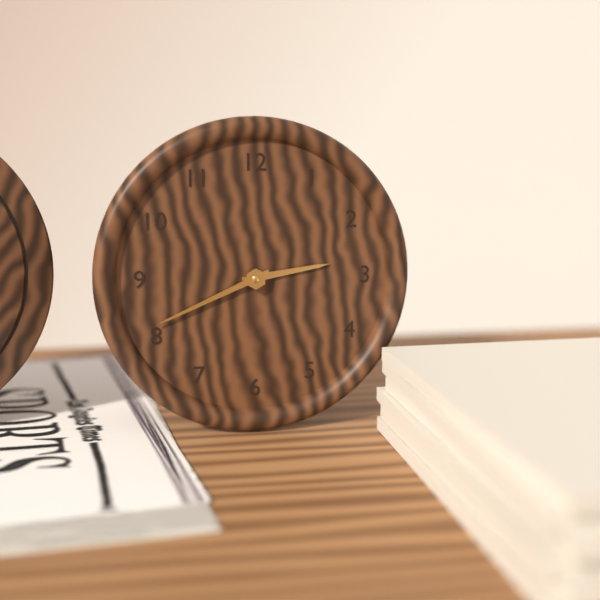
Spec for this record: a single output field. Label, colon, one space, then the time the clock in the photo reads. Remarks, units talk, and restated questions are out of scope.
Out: 2:41
